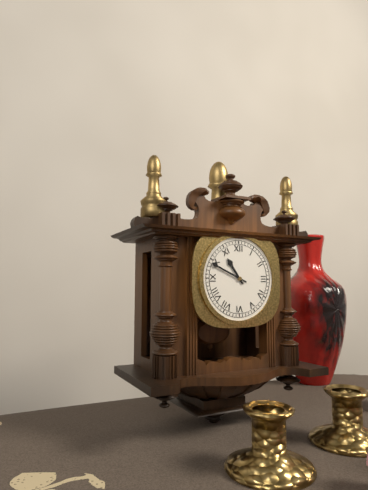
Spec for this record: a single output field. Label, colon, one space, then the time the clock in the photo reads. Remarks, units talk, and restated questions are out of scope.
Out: 10:49
